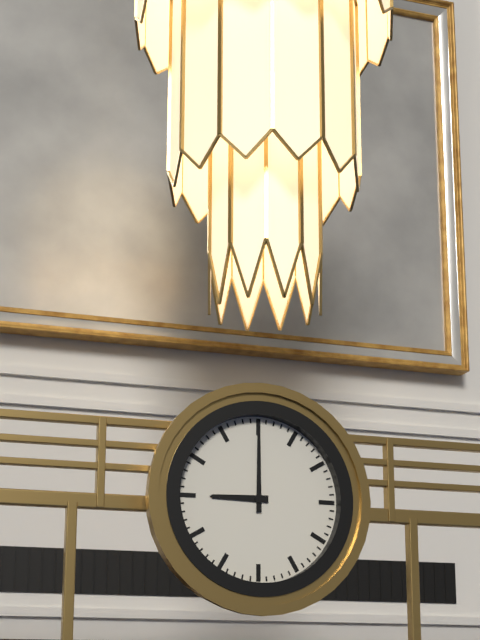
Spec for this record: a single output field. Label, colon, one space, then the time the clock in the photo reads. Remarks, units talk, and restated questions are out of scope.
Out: 9:00
